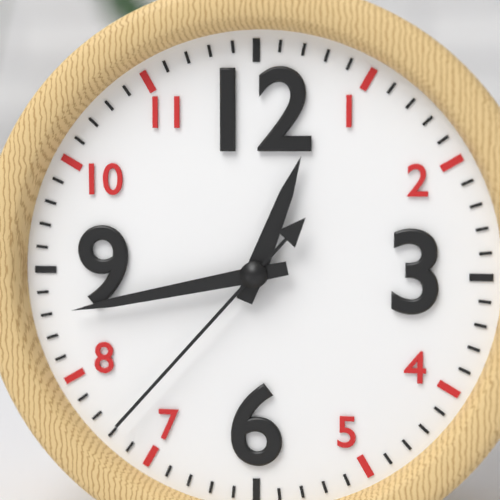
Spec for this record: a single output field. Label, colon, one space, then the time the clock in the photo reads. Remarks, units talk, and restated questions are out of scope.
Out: 12:43:37
